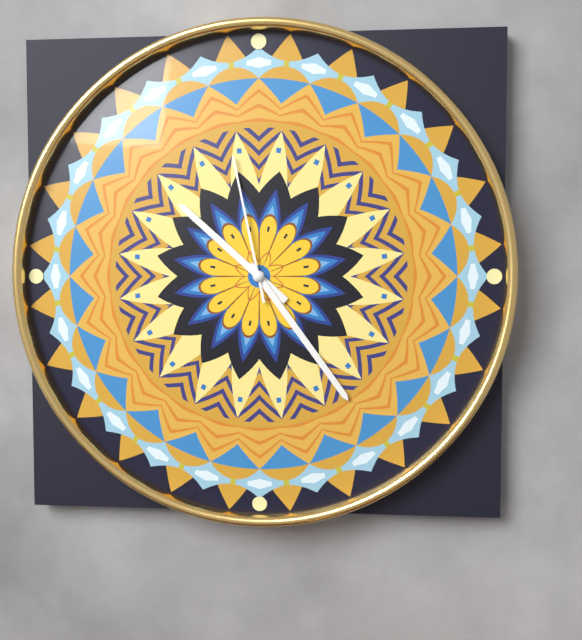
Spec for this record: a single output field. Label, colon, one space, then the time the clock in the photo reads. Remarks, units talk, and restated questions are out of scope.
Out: 10:24:58
